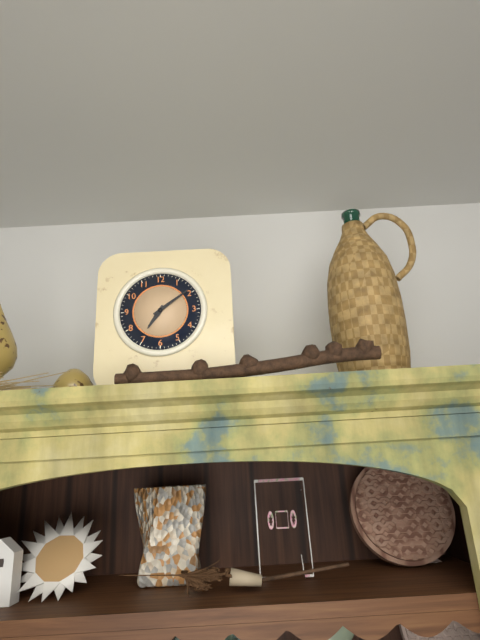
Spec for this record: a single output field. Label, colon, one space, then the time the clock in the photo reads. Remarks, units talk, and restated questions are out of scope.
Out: 7:09
